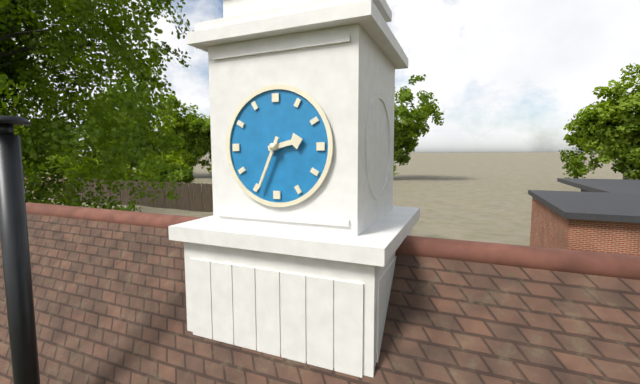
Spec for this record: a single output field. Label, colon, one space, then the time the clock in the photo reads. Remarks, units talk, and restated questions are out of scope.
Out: 2:34
